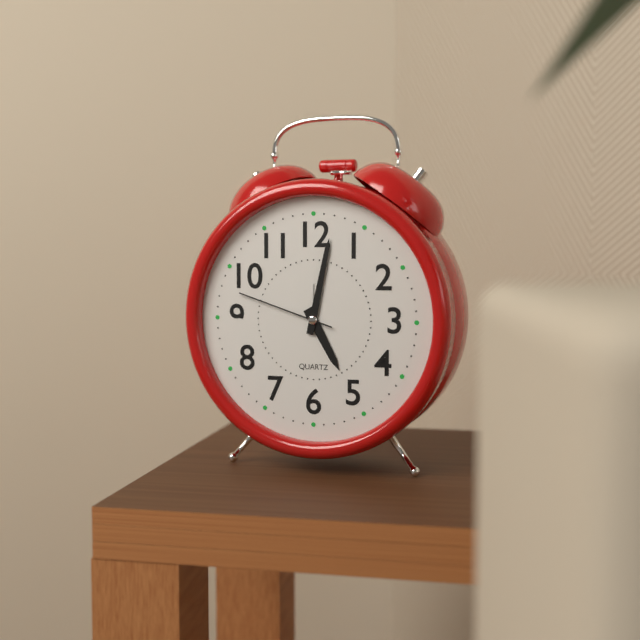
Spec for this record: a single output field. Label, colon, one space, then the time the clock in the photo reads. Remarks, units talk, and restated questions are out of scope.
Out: 5:02:48
